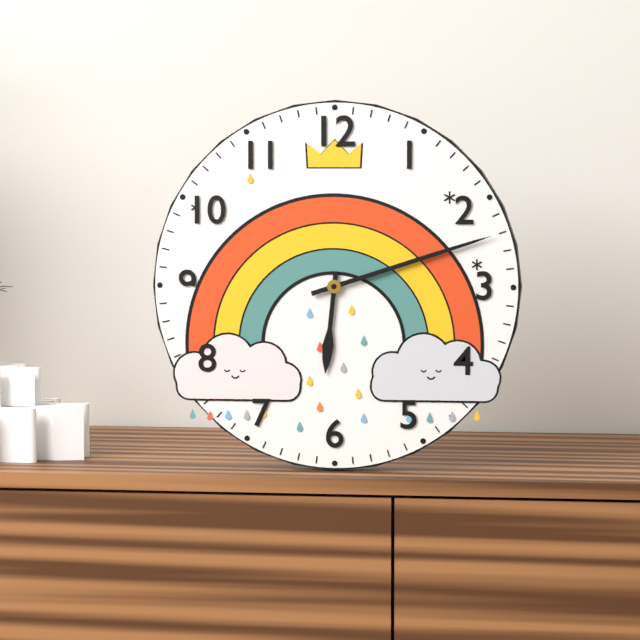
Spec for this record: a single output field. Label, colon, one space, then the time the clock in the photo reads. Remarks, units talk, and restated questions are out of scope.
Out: 6:12
